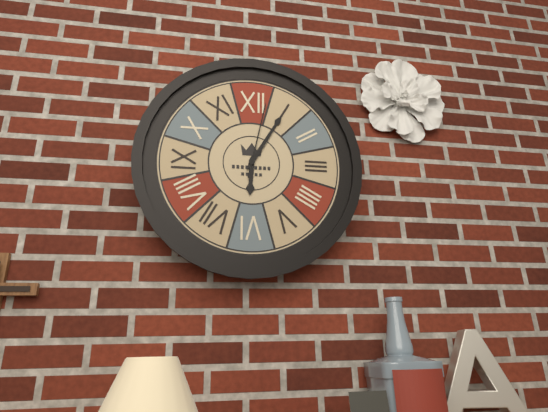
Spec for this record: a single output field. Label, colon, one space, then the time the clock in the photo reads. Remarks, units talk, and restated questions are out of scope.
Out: 6:05:02
